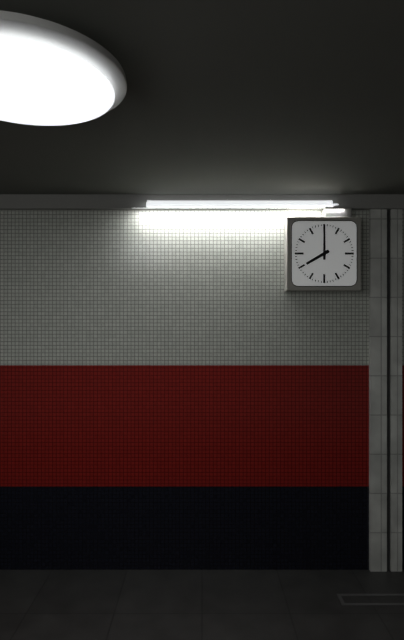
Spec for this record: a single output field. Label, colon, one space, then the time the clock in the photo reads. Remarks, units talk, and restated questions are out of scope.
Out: 8:00
